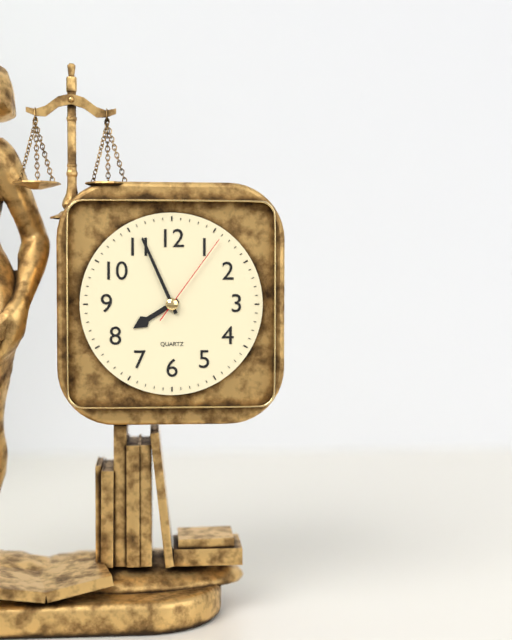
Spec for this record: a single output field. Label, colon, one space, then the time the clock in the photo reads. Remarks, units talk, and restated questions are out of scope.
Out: 7:56:06
